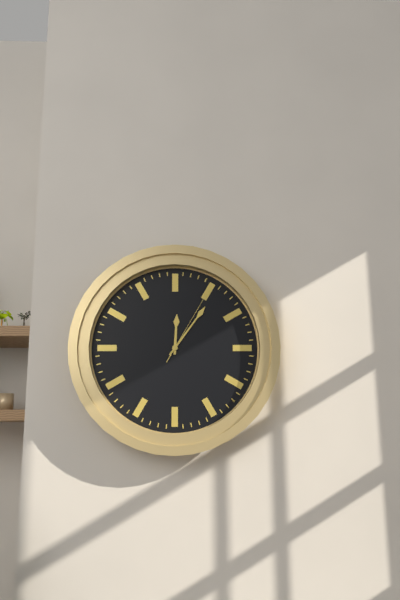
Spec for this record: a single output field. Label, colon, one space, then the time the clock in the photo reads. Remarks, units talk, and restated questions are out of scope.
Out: 12:06:05
